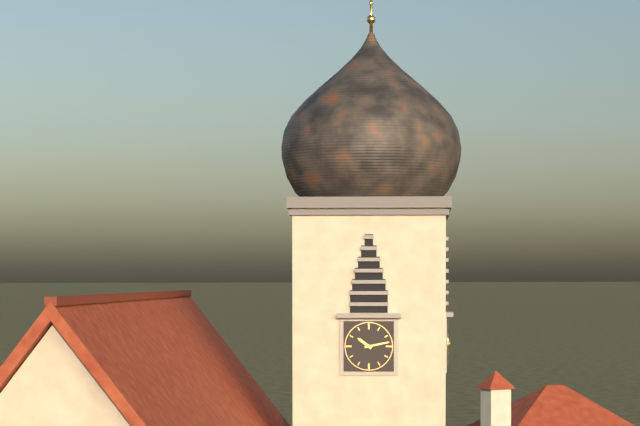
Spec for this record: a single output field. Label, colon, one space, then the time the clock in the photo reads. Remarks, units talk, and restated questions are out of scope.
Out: 10:13
